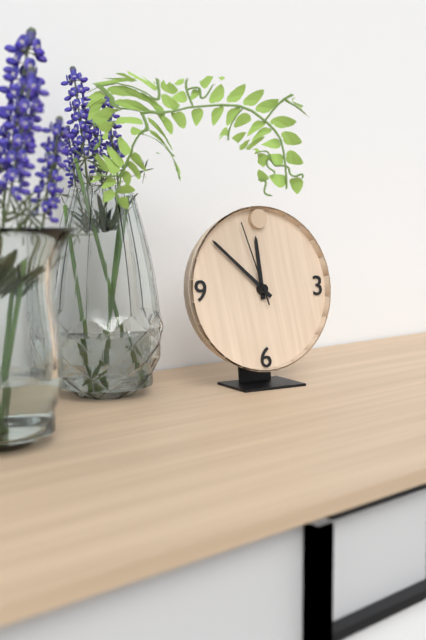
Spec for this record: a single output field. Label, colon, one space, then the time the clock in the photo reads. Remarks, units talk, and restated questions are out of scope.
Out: 11:52:57
